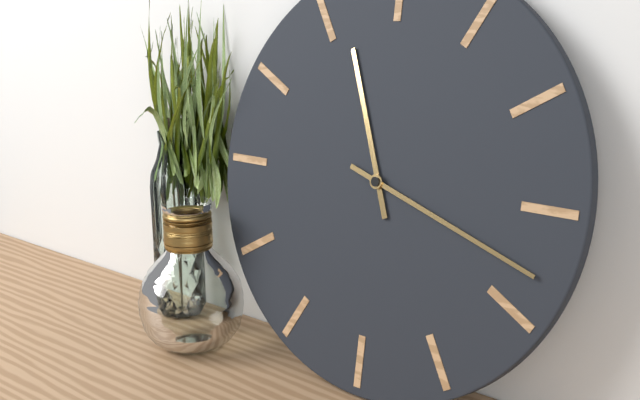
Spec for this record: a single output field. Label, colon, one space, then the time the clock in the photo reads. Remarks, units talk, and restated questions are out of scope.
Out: 11:18
